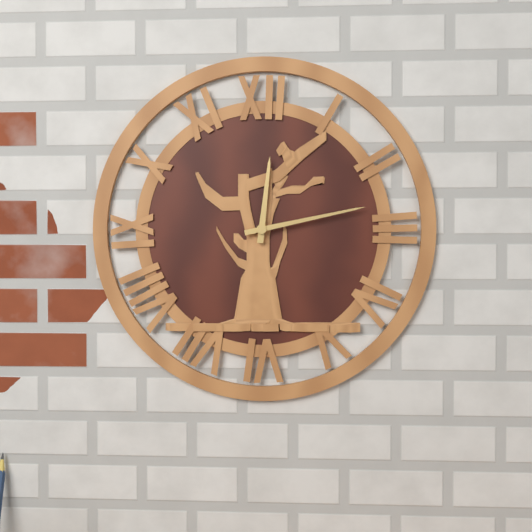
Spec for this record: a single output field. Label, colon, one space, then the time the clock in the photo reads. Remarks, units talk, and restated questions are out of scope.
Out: 12:13
